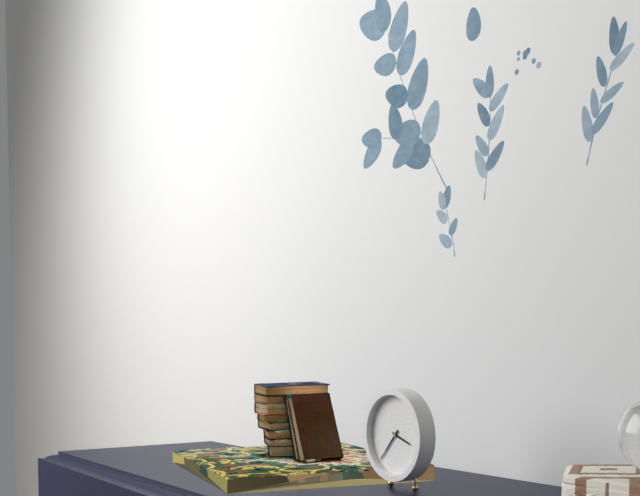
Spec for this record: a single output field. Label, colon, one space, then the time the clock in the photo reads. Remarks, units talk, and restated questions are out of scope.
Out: 3:37
